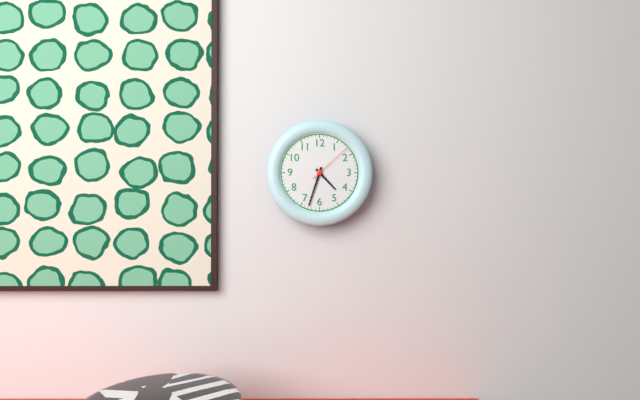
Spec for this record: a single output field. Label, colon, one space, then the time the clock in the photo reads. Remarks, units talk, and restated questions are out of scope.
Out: 4:33
